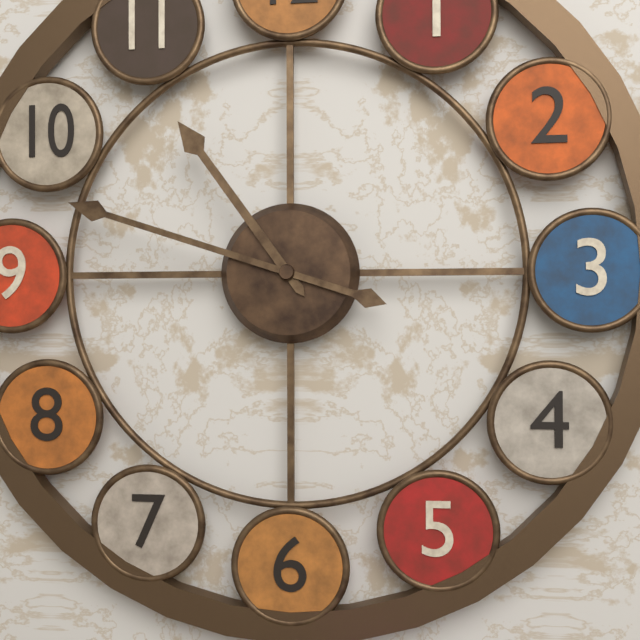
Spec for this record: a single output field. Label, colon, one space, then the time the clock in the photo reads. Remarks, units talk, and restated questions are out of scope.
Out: 10:48
